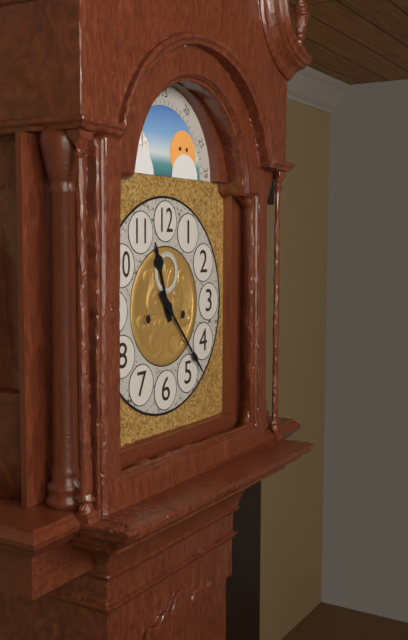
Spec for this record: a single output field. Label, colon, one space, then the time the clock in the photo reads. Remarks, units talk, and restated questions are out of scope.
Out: 11:23
